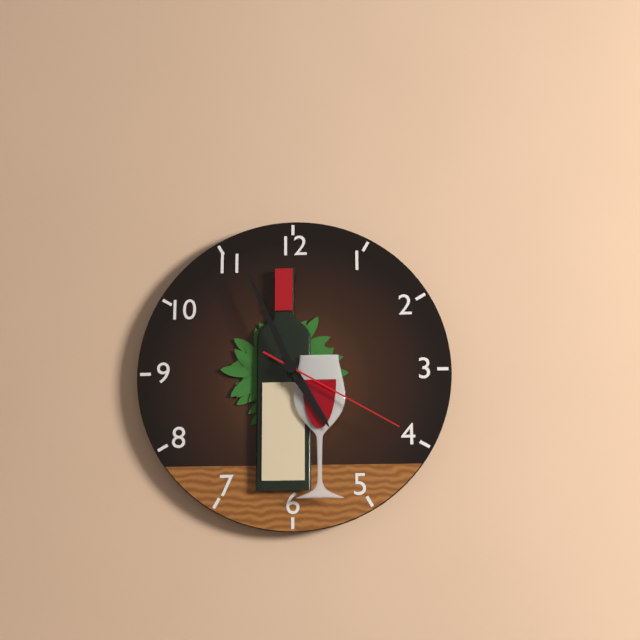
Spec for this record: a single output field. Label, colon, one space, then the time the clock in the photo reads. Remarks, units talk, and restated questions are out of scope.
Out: 4:56:20
